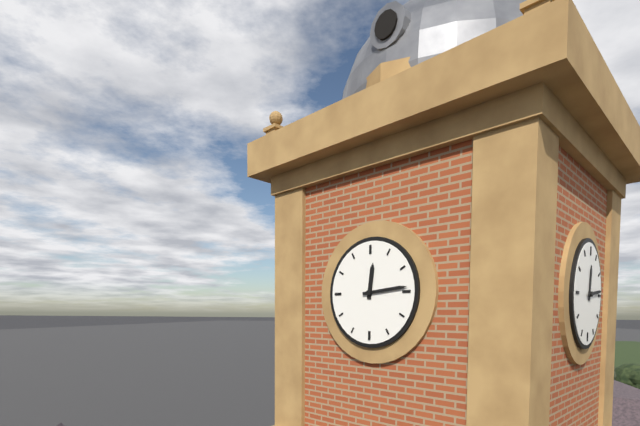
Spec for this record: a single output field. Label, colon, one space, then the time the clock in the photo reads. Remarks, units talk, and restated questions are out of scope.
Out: 12:14
